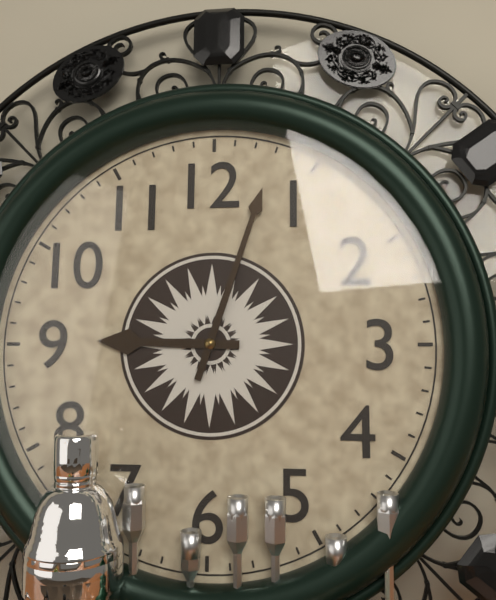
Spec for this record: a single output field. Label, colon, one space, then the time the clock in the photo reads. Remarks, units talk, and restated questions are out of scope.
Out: 9:03
